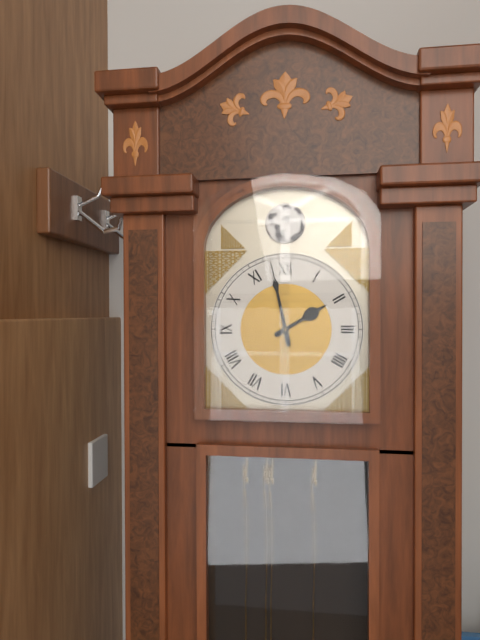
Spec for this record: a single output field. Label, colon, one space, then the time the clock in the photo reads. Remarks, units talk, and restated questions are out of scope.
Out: 1:58
